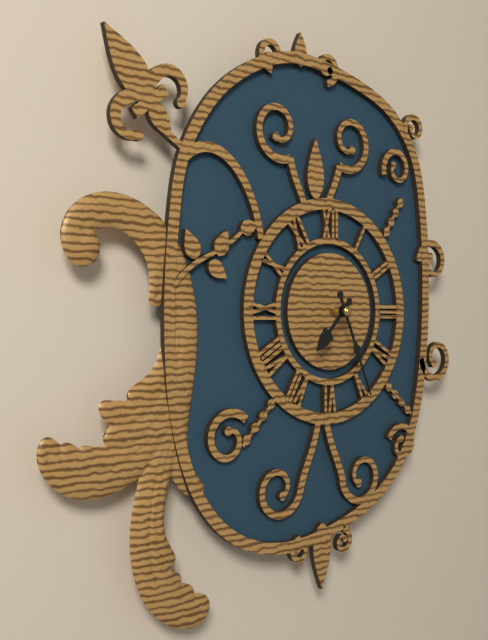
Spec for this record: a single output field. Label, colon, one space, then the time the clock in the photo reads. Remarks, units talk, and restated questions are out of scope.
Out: 7:26
